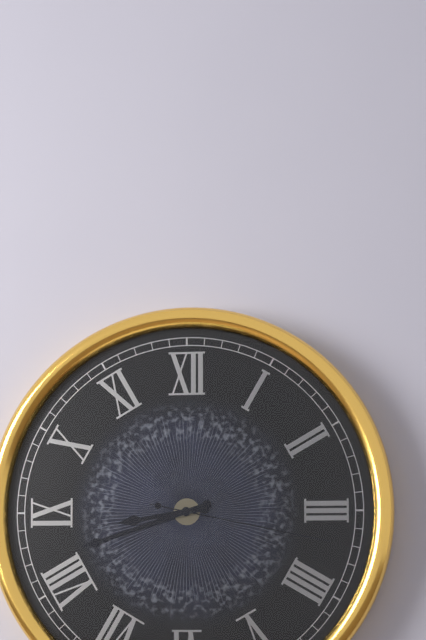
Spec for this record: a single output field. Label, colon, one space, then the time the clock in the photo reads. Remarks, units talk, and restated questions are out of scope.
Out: 8:42:17
